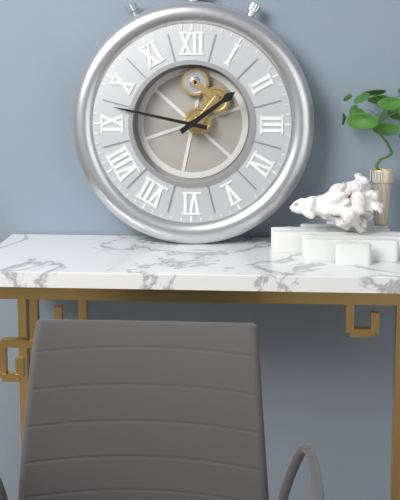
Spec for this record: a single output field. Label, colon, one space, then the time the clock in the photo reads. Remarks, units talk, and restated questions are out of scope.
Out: 1:47
